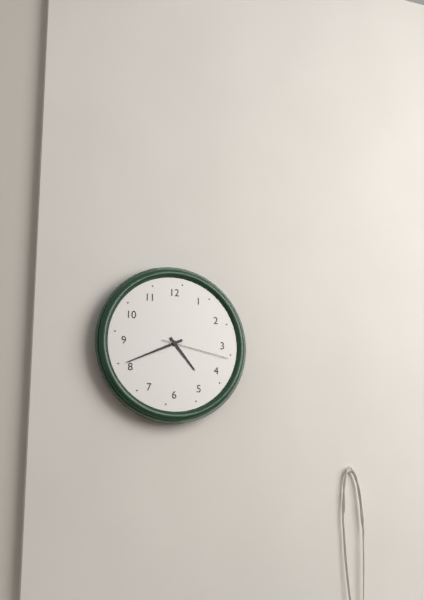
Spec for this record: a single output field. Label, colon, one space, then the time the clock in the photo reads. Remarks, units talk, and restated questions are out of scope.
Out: 4:41:17
